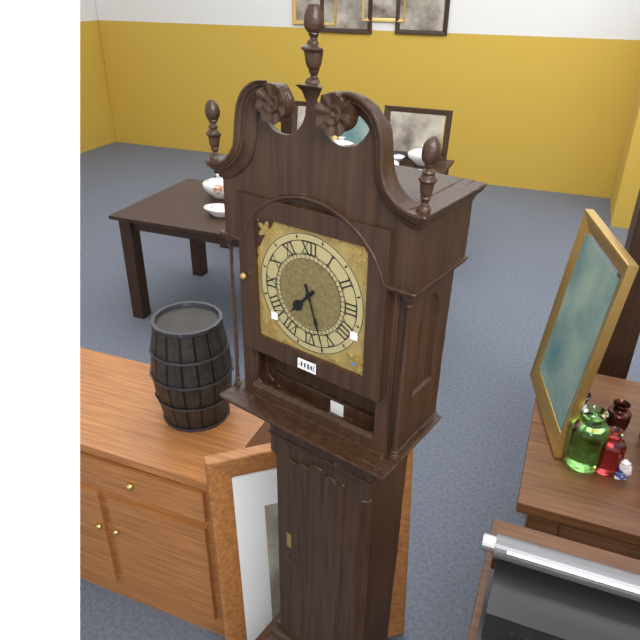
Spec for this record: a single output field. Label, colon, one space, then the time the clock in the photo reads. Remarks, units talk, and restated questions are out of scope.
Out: 7:27
